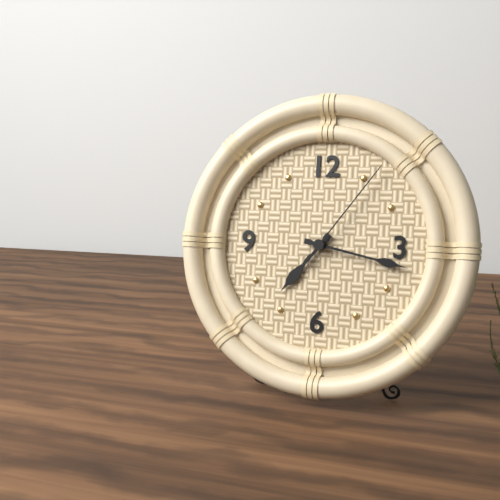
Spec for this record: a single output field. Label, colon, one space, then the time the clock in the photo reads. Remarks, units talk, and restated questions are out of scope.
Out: 7:17:06
